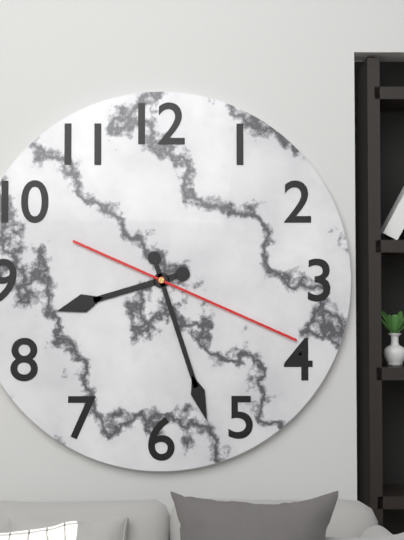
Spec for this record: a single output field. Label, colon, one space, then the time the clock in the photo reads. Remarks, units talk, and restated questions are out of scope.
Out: 8:27:19
